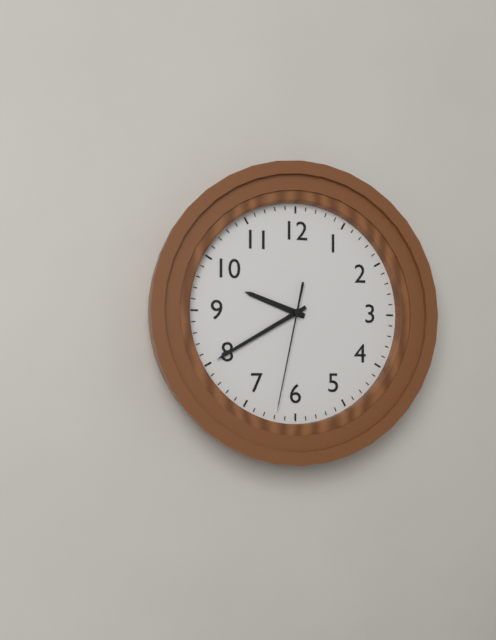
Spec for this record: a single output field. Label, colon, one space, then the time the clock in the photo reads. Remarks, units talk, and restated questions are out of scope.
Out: 9:40:32
